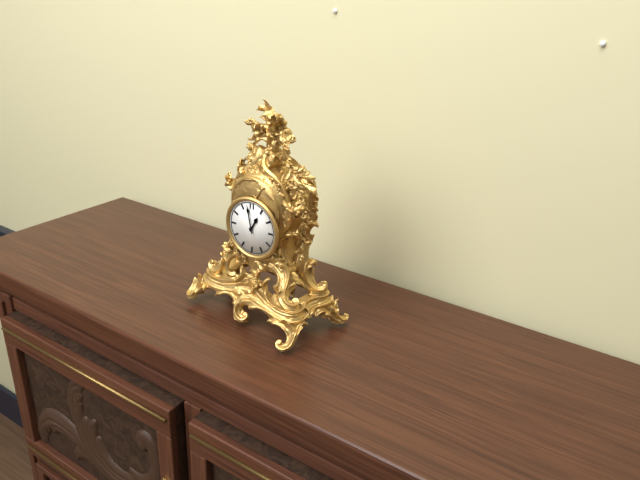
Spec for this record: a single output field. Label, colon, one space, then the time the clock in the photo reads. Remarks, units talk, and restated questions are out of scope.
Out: 12:58
